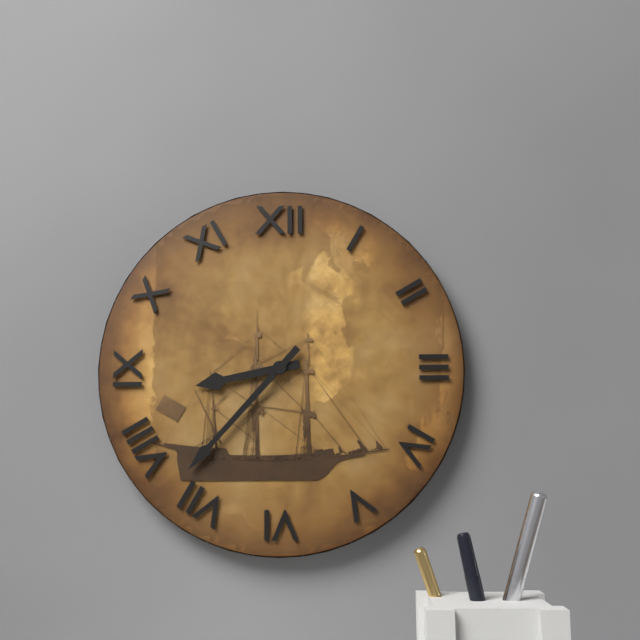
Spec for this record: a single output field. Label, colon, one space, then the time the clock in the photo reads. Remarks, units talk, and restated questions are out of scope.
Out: 8:37
